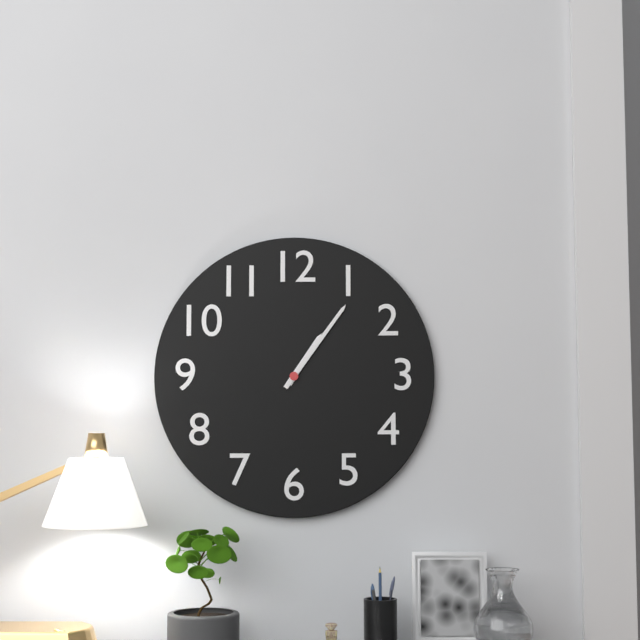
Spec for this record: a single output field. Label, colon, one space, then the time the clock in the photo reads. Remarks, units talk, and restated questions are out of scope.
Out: 1:06
